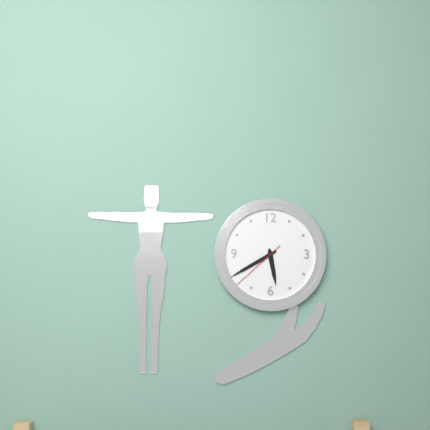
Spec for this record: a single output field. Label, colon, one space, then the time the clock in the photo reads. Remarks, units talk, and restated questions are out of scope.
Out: 5:40:38
